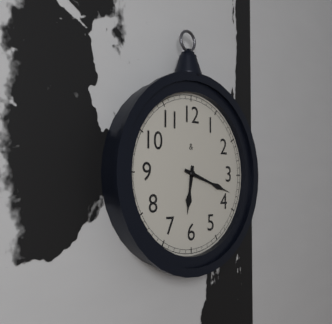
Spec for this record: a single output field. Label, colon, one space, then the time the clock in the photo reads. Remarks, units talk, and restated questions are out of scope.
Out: 6:18
